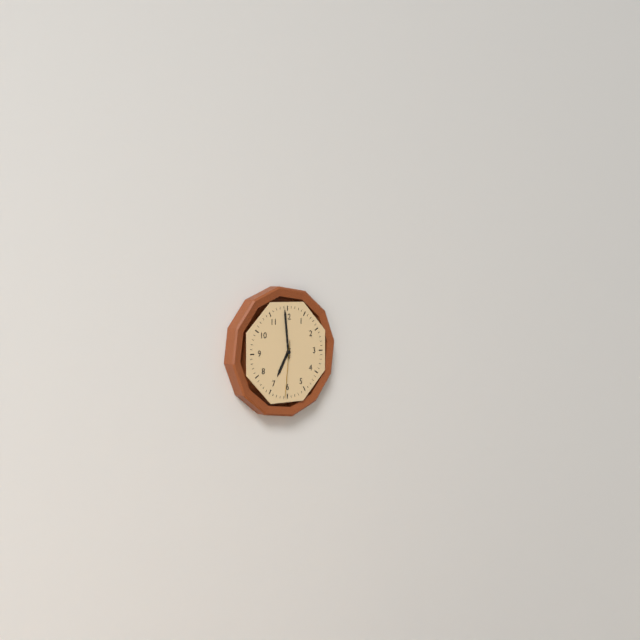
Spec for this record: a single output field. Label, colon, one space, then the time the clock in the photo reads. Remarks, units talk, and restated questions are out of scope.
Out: 6:59:31
